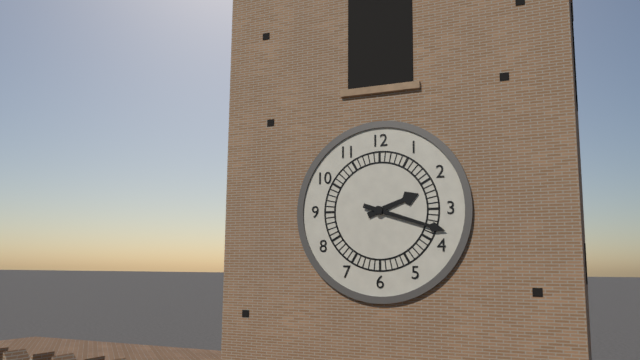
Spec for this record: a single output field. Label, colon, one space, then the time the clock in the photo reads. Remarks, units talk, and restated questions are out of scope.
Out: 2:18
